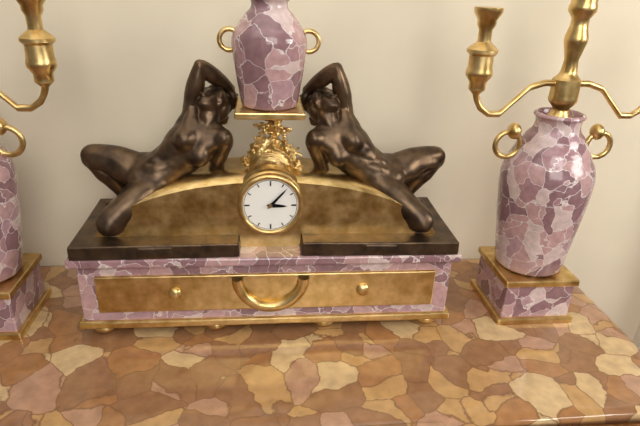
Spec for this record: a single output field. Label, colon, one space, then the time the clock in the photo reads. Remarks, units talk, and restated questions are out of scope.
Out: 3:07
